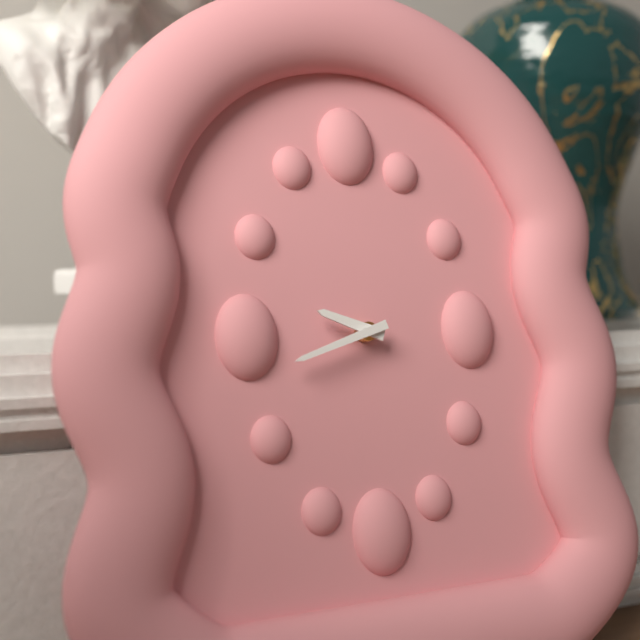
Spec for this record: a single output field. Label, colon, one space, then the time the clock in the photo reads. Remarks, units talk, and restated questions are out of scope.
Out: 9:42
